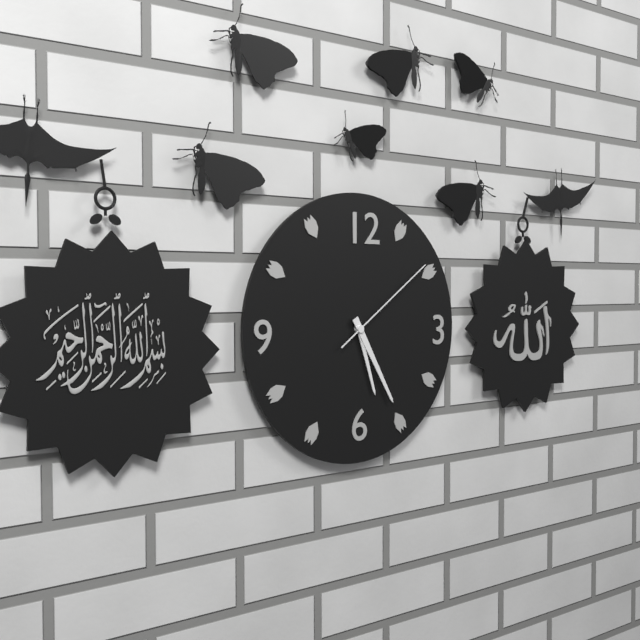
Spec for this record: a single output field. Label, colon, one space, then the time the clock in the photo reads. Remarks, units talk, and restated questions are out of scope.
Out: 5:25:09
